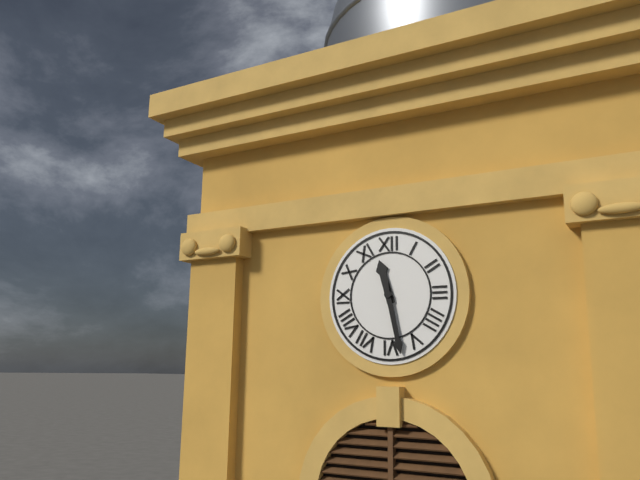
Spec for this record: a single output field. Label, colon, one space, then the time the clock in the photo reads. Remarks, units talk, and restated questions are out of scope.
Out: 11:28
